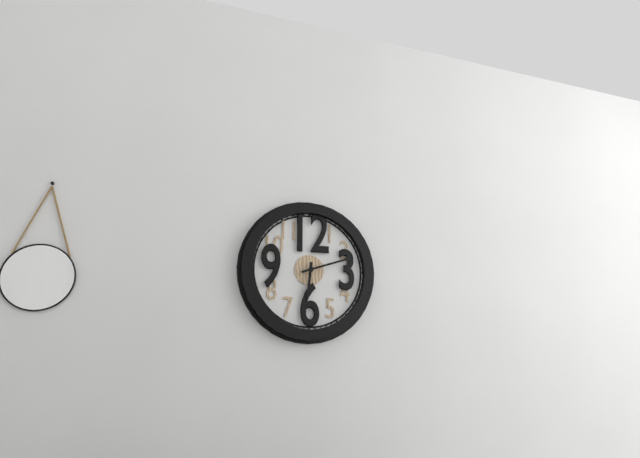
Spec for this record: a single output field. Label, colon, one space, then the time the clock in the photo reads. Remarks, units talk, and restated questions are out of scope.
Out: 6:12
